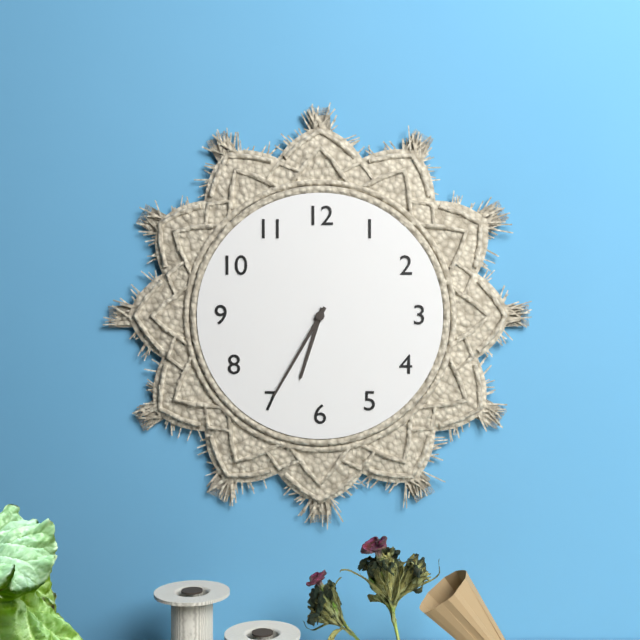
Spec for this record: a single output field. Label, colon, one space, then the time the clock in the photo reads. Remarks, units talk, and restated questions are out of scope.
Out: 6:35
